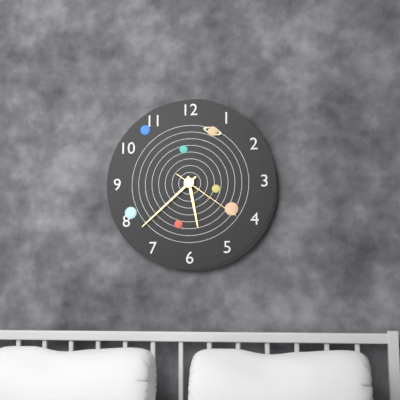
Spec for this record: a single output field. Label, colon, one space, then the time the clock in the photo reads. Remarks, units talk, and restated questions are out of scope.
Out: 5:38:21
